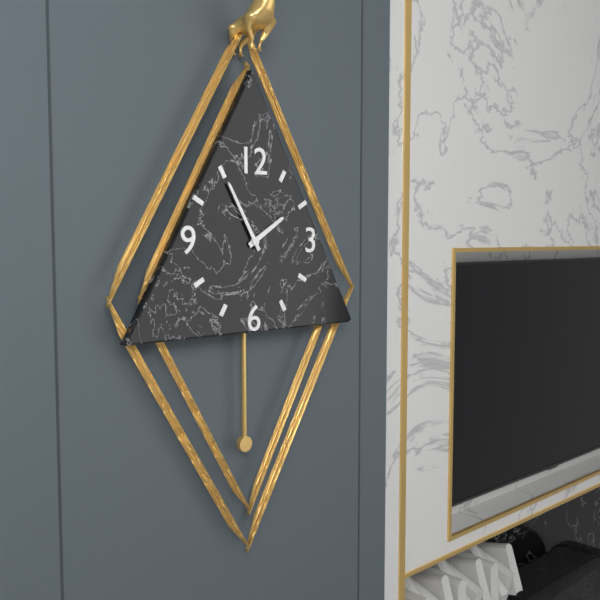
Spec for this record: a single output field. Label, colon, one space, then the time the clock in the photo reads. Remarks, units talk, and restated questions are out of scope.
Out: 1:55
